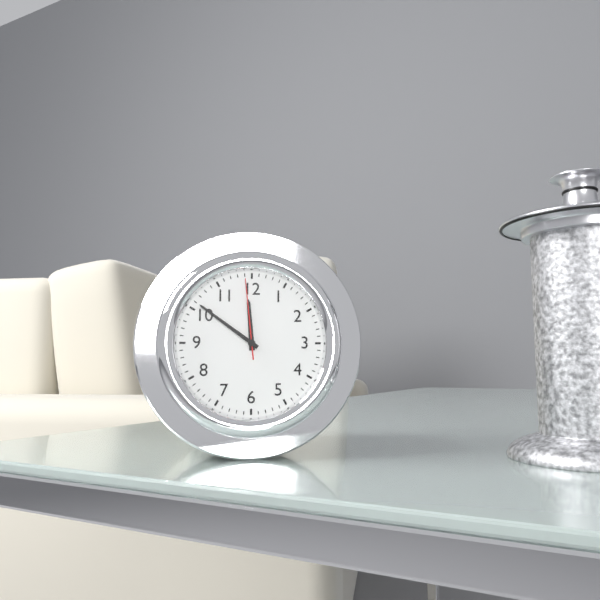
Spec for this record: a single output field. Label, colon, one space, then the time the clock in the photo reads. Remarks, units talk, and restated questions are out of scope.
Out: 11:51:59
